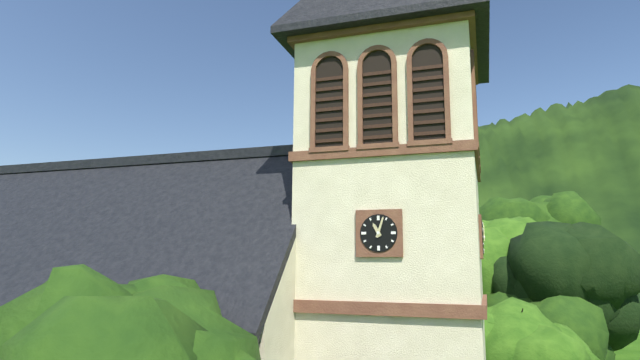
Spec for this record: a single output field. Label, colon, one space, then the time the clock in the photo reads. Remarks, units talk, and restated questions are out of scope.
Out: 11:03
